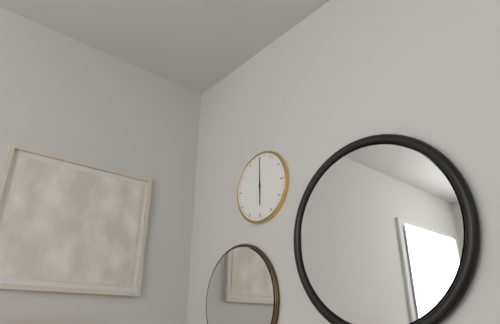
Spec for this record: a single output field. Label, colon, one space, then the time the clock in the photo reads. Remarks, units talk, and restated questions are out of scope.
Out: 6:00
